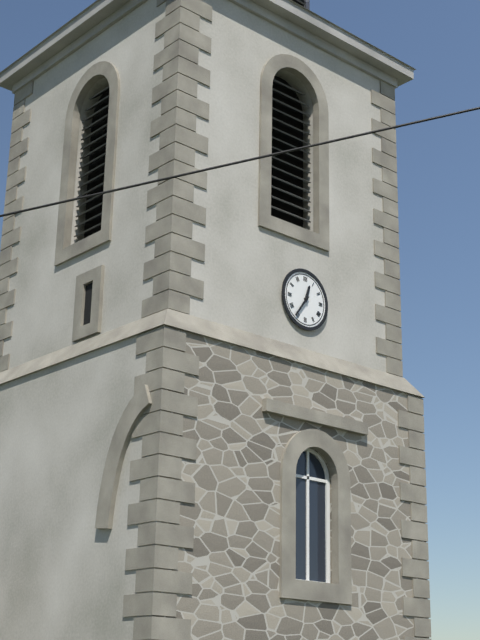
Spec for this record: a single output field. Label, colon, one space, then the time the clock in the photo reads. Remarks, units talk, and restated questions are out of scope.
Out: 12:36
